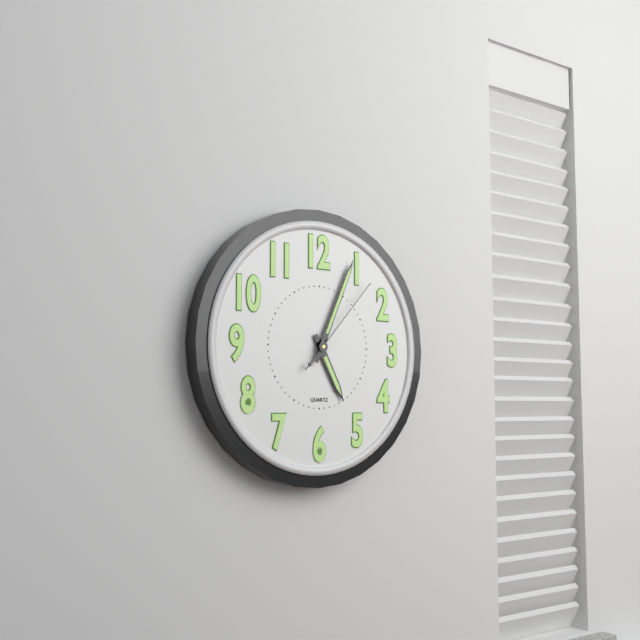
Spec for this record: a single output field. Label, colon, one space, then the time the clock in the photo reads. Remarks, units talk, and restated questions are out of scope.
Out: 5:04:07
